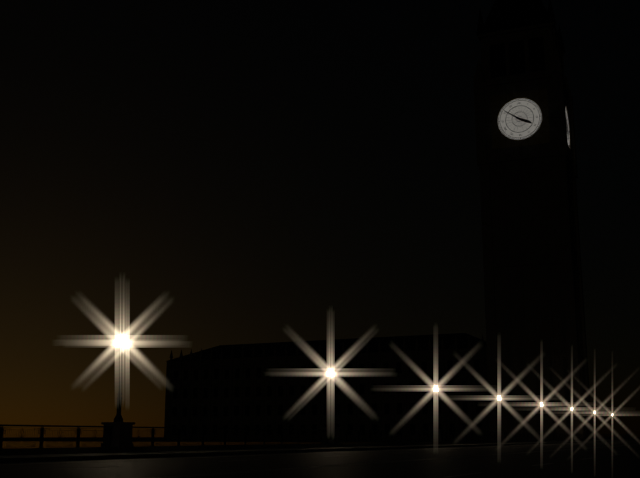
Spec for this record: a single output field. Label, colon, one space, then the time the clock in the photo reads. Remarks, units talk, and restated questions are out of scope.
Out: 3:51
